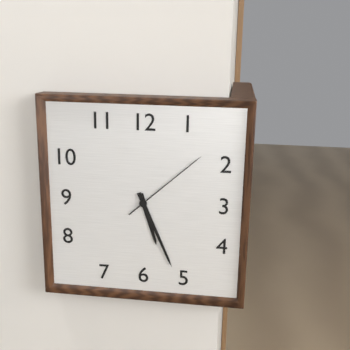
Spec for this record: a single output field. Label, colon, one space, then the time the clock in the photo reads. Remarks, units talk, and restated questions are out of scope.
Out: 5:26:08
